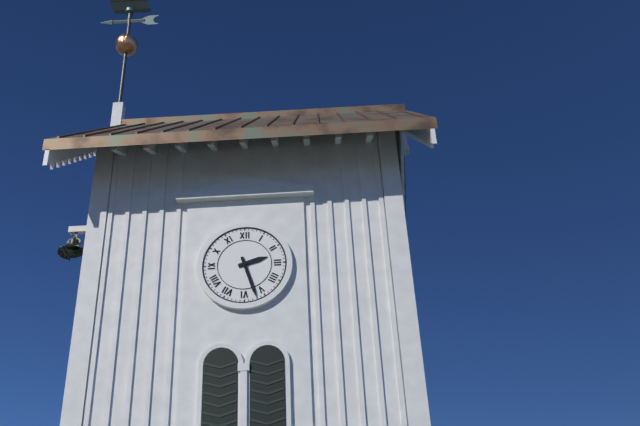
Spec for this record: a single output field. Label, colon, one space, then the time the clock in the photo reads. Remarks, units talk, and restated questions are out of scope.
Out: 2:27
